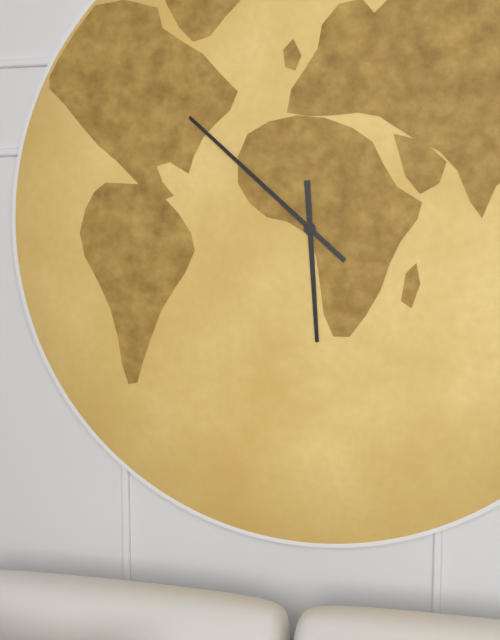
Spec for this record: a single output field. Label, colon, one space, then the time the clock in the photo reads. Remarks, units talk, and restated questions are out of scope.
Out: 5:52
